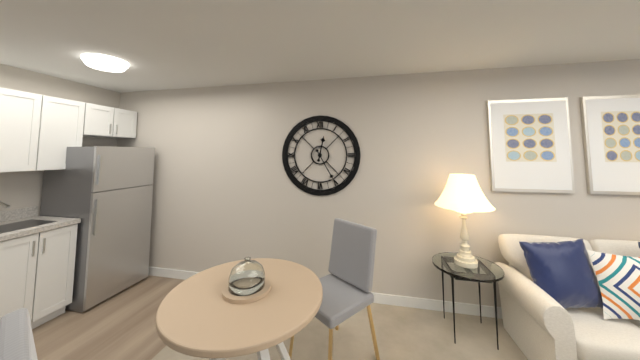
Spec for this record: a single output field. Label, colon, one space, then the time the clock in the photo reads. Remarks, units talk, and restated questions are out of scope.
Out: 12:25
